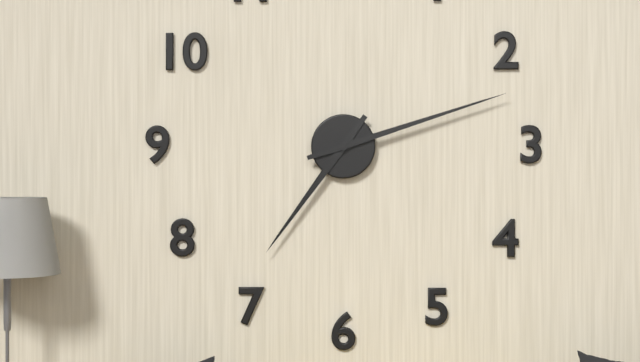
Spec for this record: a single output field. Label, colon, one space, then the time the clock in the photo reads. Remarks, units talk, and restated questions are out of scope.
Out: 7:12
